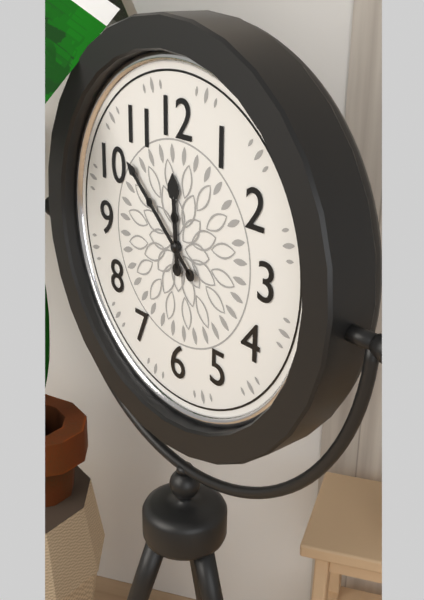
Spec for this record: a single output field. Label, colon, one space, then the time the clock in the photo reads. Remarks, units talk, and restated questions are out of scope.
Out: 11:52
